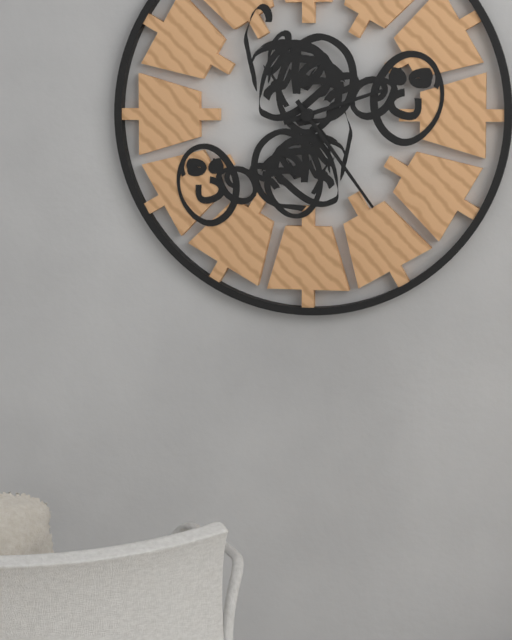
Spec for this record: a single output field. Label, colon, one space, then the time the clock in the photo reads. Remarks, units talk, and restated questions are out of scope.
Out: 2:24
